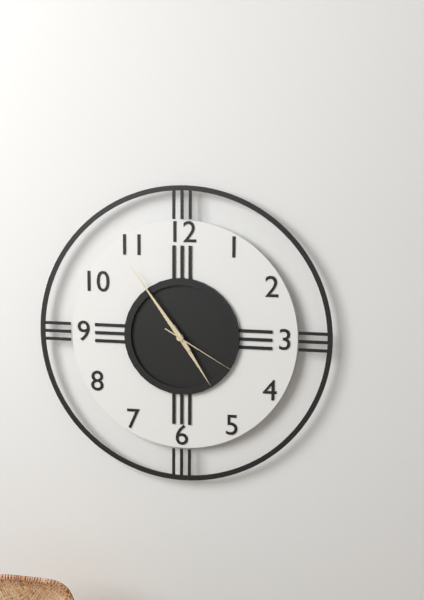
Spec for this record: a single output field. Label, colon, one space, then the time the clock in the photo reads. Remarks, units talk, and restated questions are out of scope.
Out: 4:54:20
